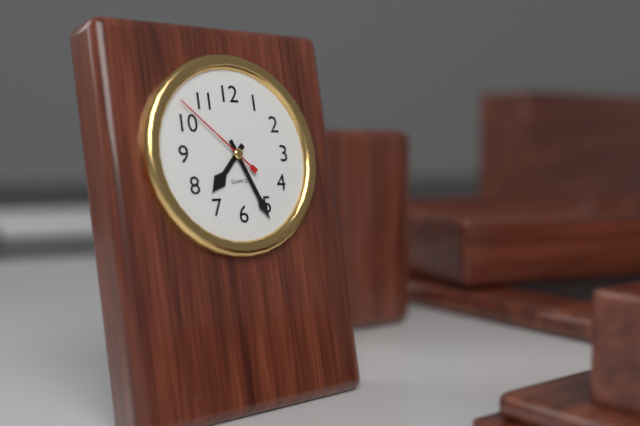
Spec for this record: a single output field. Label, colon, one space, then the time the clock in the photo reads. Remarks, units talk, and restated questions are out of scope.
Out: 7:26:52
